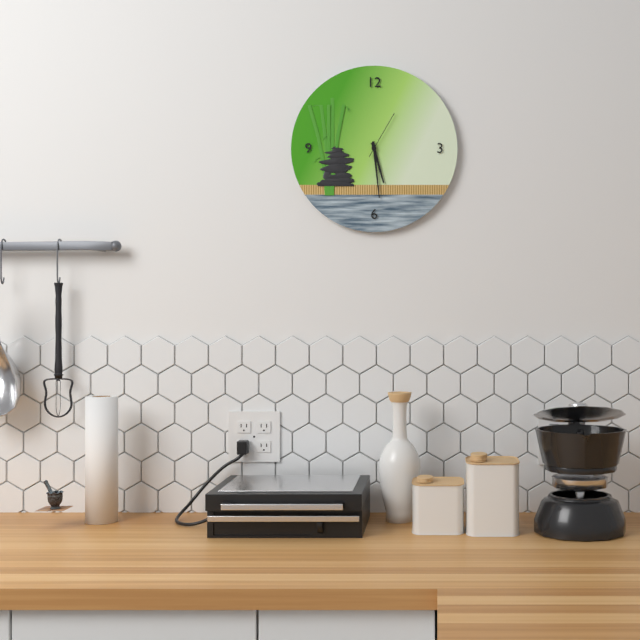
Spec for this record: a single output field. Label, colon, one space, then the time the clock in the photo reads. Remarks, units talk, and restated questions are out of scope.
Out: 5:29:05
